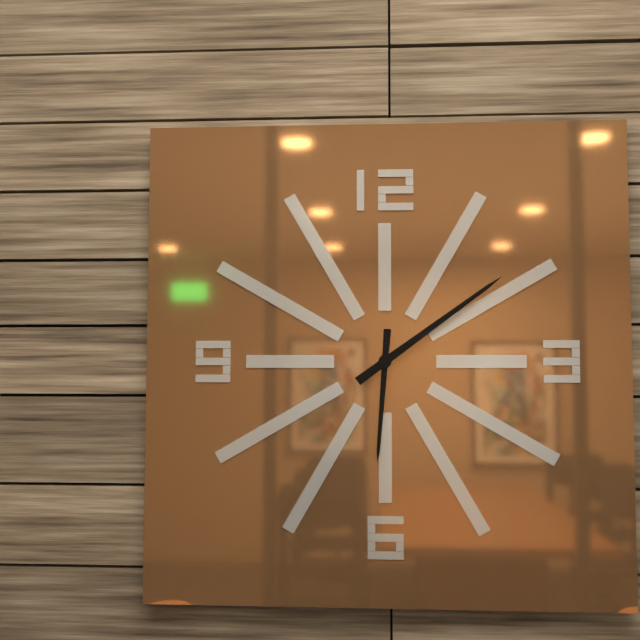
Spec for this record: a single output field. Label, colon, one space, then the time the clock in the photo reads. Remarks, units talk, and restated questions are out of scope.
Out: 6:09
